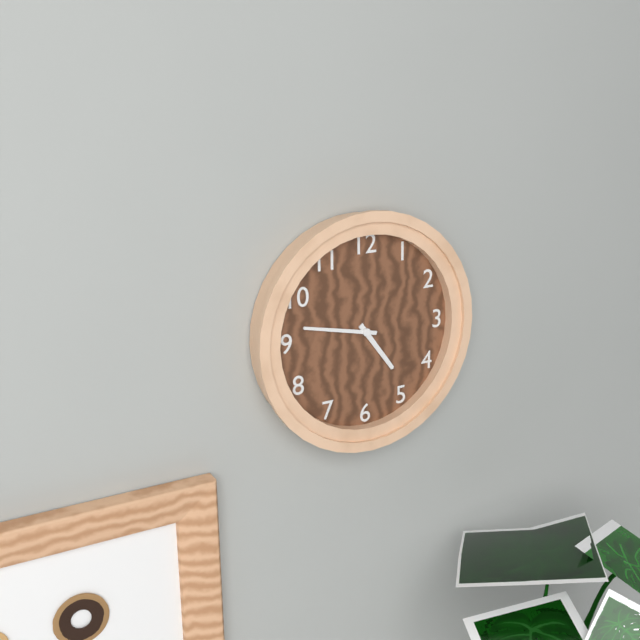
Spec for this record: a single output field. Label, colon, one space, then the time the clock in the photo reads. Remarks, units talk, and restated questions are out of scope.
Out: 4:47
